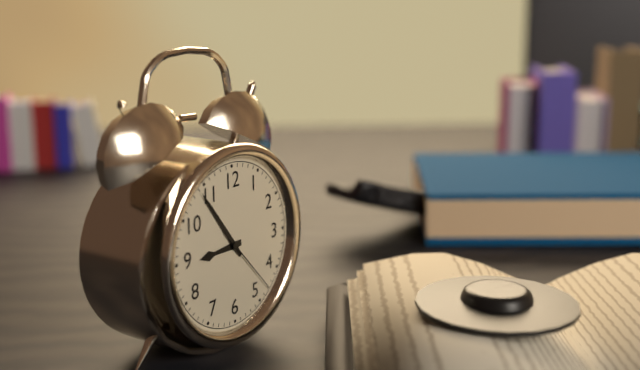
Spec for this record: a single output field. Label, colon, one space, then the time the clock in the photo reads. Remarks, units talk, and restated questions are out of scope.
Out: 8:54:23
